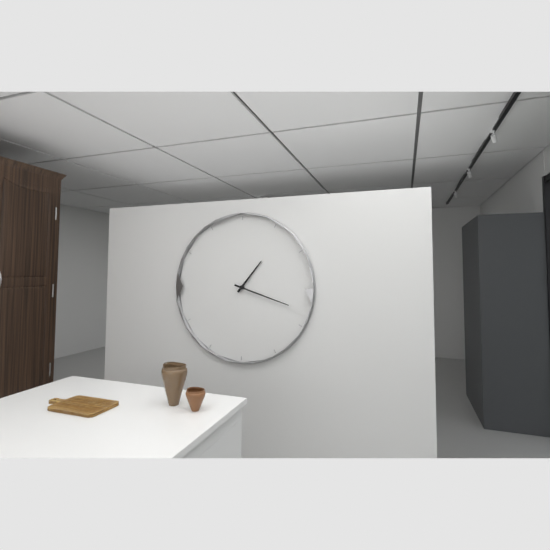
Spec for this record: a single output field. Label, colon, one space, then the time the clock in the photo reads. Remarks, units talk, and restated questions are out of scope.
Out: 1:18
